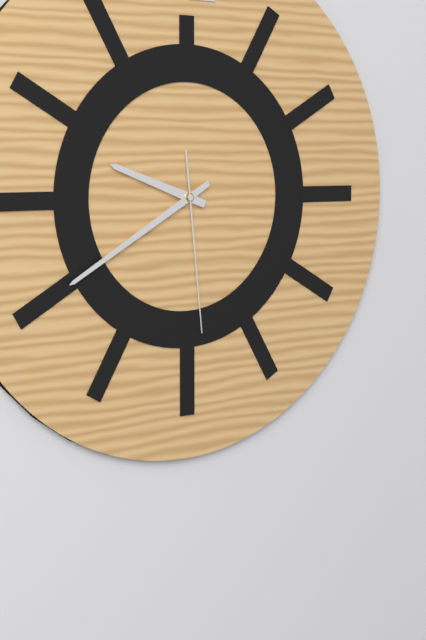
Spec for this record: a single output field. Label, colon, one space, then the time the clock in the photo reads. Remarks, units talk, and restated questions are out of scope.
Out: 9:40:29
